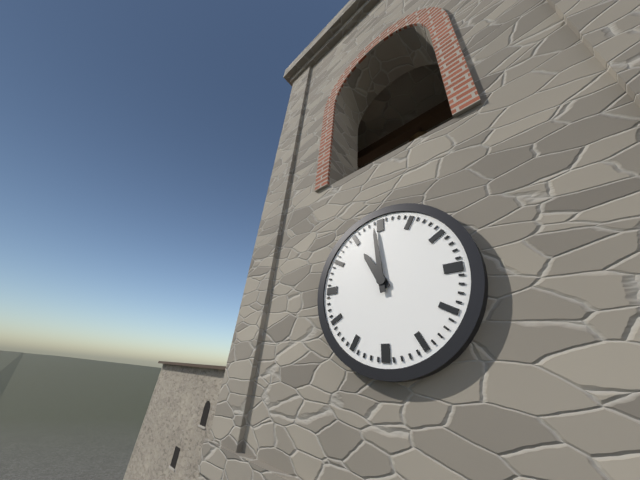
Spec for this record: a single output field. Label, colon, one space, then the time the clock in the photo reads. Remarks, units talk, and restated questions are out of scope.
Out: 10:59
